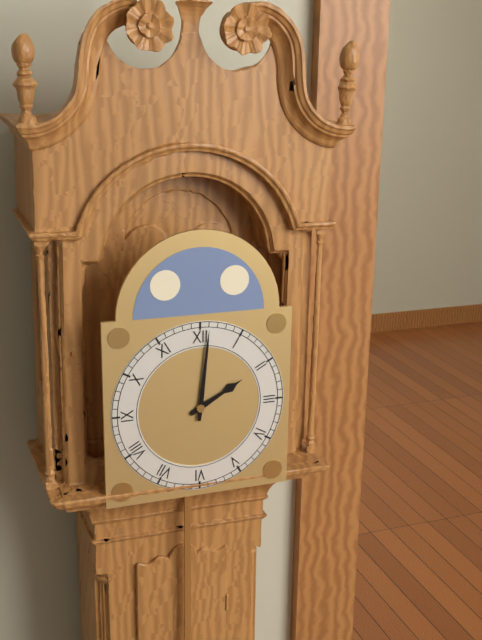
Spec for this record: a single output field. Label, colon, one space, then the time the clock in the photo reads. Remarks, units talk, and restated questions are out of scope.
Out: 2:01
